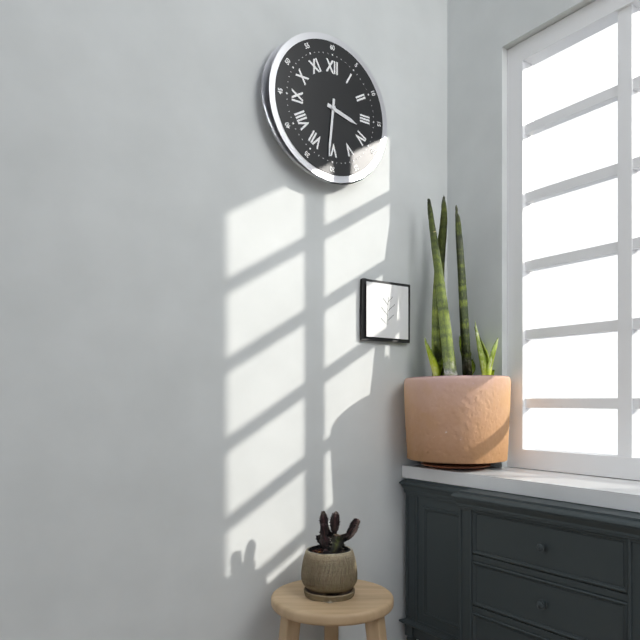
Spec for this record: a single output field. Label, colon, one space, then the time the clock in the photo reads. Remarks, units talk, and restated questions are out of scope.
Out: 3:31
